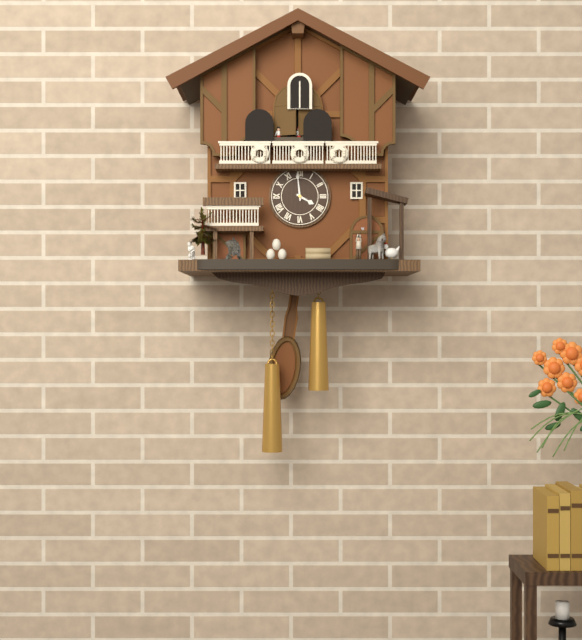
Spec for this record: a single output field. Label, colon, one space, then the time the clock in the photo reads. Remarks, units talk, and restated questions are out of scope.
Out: 3:59
